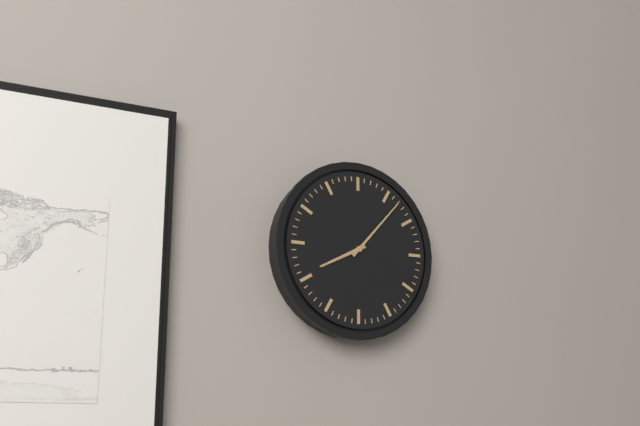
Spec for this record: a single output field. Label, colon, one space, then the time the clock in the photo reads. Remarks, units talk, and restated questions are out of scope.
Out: 8:07
